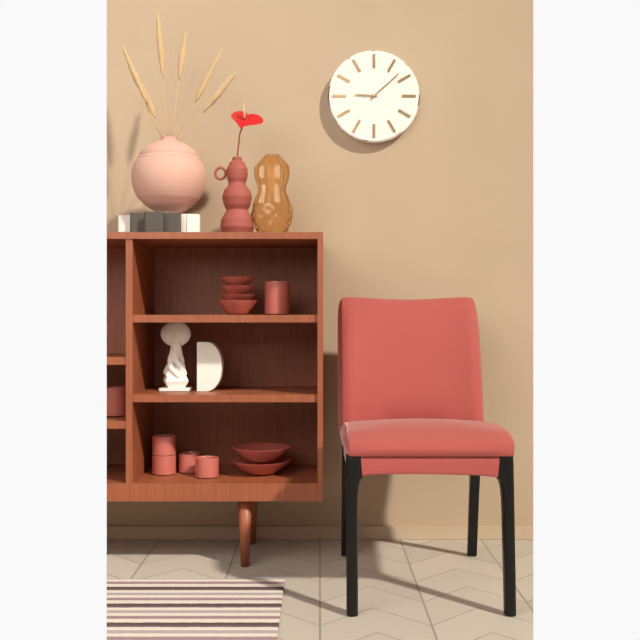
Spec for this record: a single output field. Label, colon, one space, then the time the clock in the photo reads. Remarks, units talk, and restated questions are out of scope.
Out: 9:08
